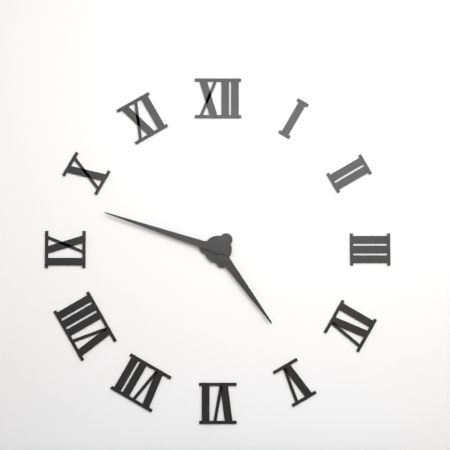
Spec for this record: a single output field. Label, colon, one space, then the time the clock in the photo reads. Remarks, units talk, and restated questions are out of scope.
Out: 4:48
